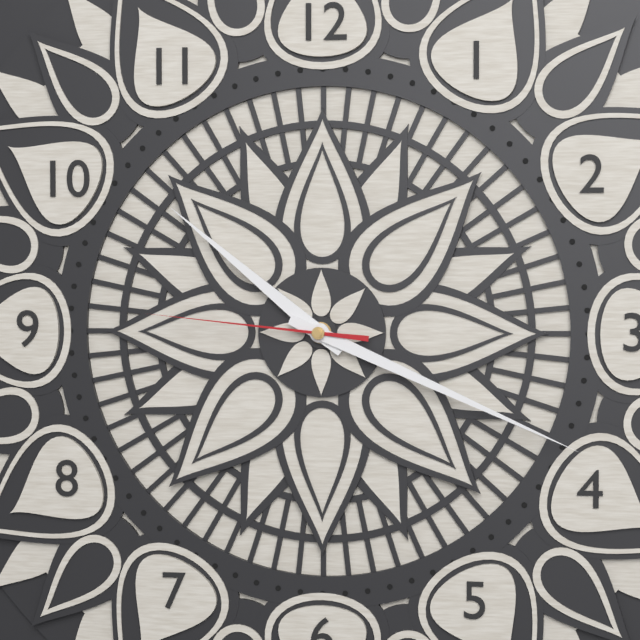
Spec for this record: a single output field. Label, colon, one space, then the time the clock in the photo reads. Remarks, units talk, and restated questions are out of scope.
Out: 10:19:46
